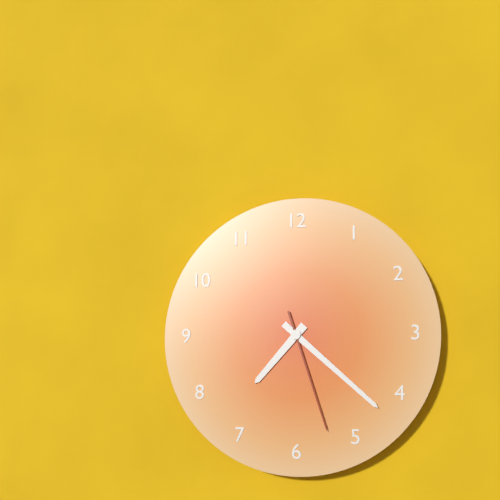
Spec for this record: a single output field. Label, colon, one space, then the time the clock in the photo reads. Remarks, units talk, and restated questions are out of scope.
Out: 7:22:27
